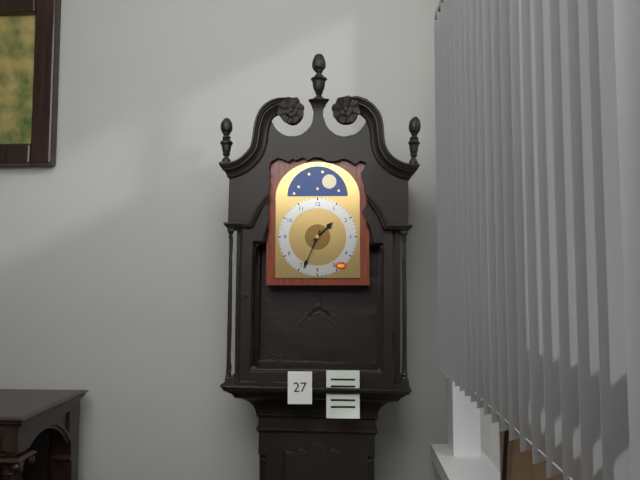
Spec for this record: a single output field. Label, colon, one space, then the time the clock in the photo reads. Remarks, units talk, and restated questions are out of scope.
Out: 1:34
